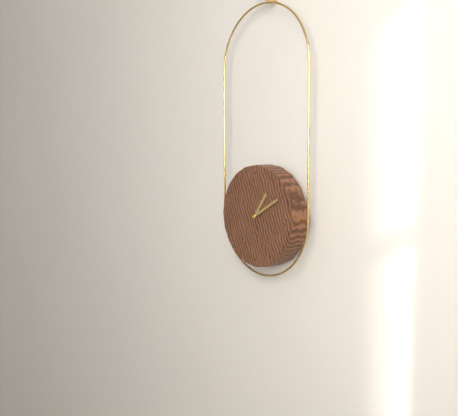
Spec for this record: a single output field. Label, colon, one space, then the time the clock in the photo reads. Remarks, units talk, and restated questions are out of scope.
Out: 1:10
